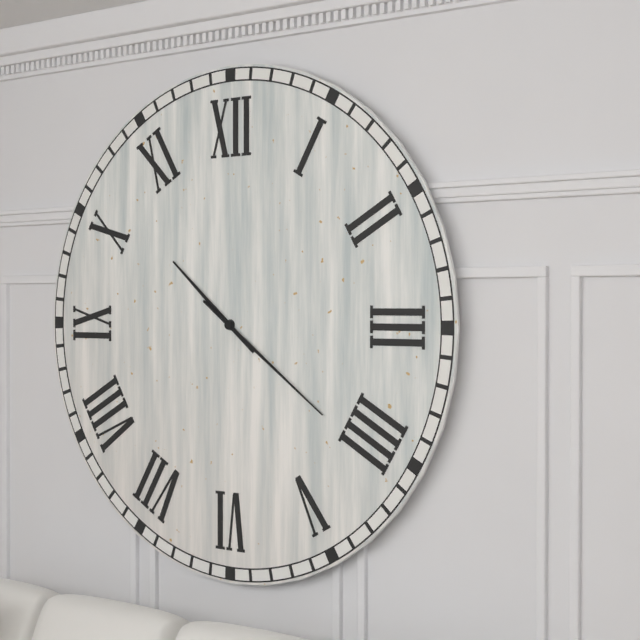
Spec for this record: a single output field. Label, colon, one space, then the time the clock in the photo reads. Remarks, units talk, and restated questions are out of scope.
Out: 10:21
